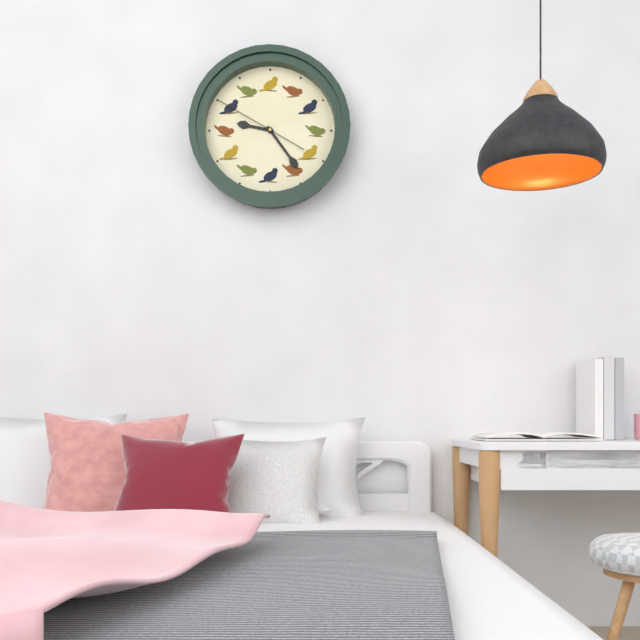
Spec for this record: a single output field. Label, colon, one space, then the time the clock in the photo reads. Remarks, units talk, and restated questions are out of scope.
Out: 9:24:50
